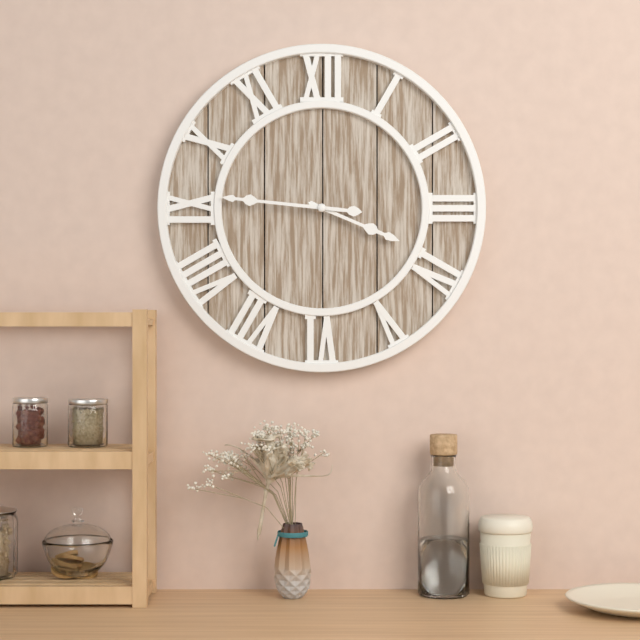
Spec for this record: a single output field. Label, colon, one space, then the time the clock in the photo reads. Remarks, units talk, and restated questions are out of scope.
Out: 3:46
